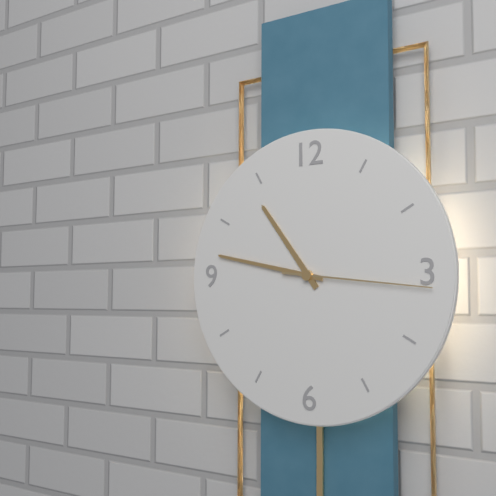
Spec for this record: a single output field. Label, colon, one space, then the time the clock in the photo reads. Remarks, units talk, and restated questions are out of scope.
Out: 10:47:16
